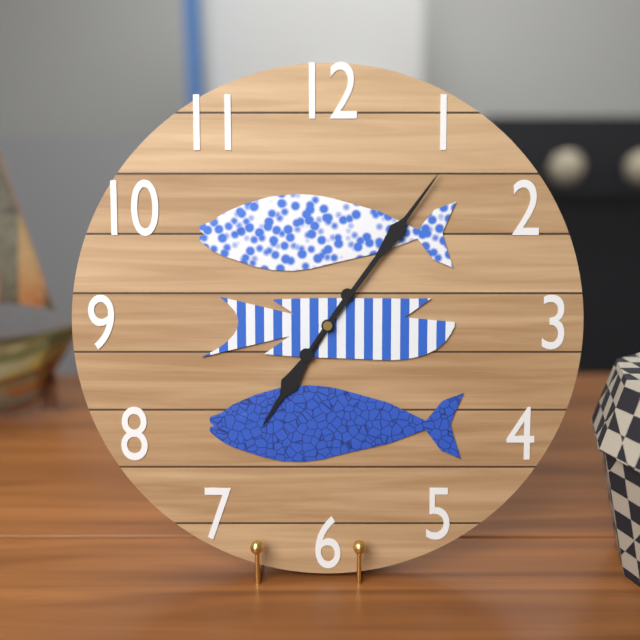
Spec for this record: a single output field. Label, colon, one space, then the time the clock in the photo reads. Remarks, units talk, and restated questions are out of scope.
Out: 7:06
